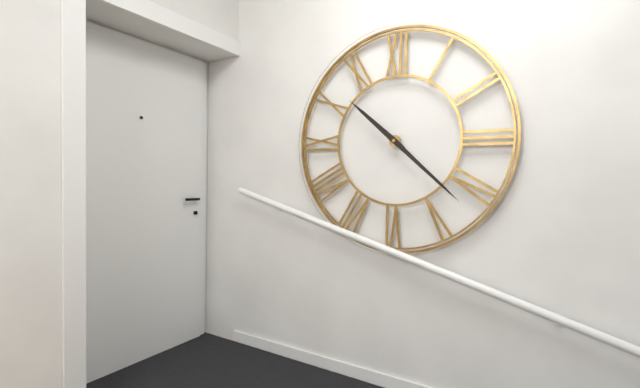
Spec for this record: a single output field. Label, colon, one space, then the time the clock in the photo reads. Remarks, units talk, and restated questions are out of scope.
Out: 10:22
